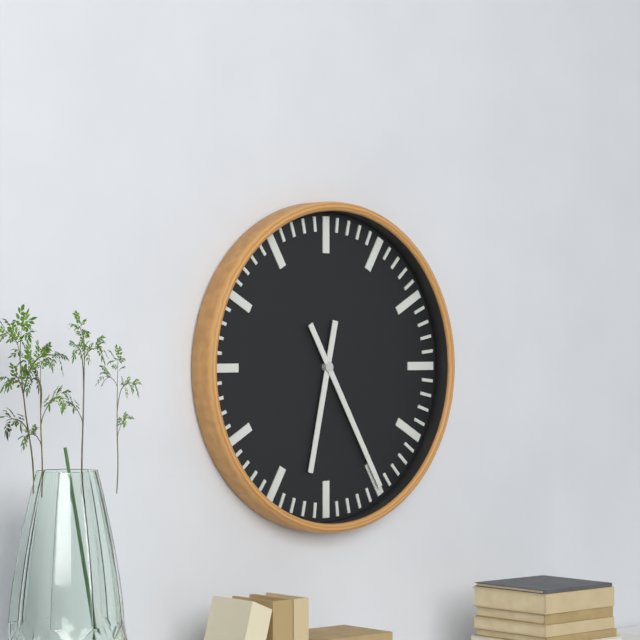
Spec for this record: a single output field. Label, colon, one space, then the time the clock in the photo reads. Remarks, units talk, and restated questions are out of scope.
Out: 6:25
